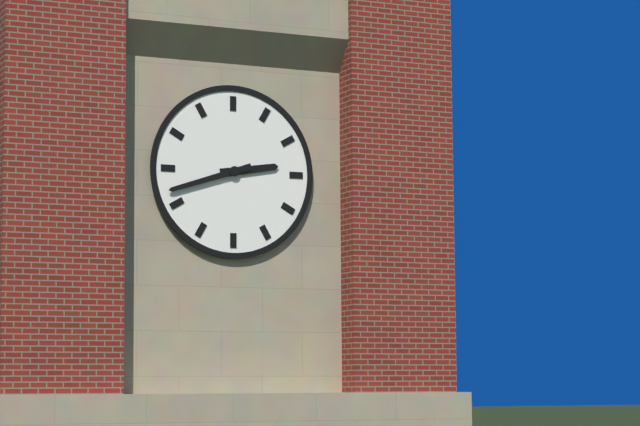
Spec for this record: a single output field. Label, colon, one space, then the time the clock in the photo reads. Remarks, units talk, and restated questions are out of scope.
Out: 2:42
